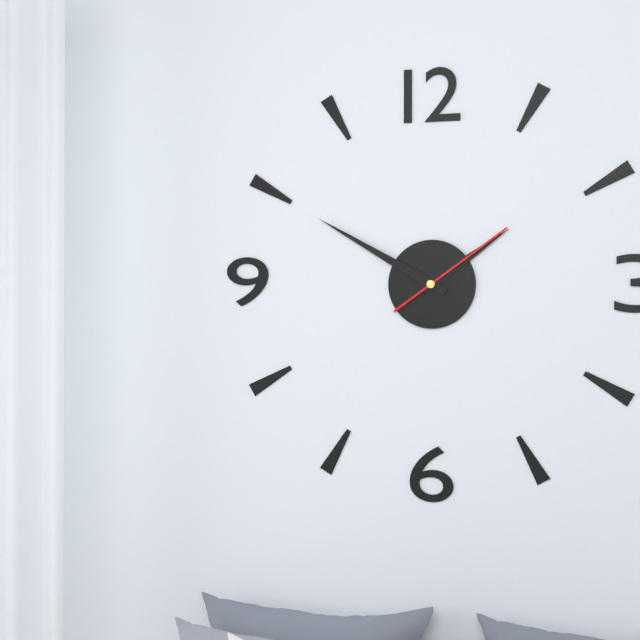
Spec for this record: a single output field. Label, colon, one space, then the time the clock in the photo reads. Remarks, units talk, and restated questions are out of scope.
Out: 1:50:09
